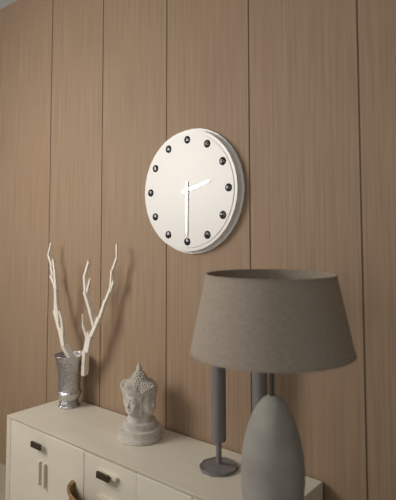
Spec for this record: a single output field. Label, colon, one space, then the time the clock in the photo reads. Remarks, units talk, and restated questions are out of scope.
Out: 2:30
